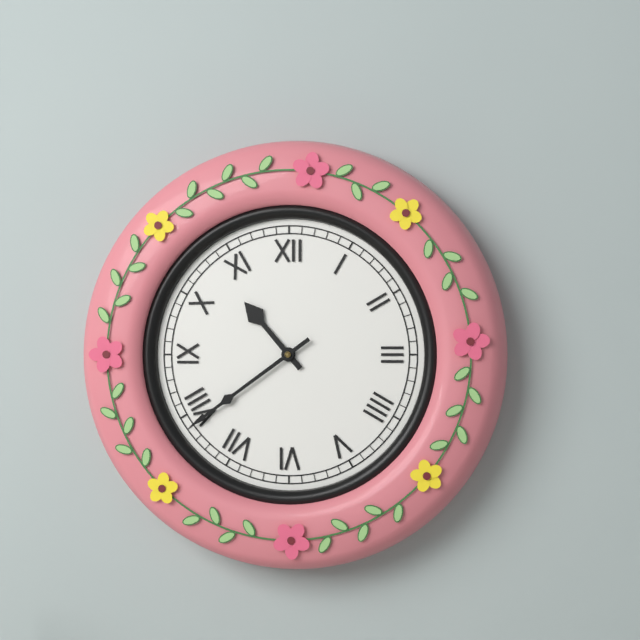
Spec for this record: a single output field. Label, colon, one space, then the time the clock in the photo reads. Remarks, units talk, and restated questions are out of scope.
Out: 10:39
